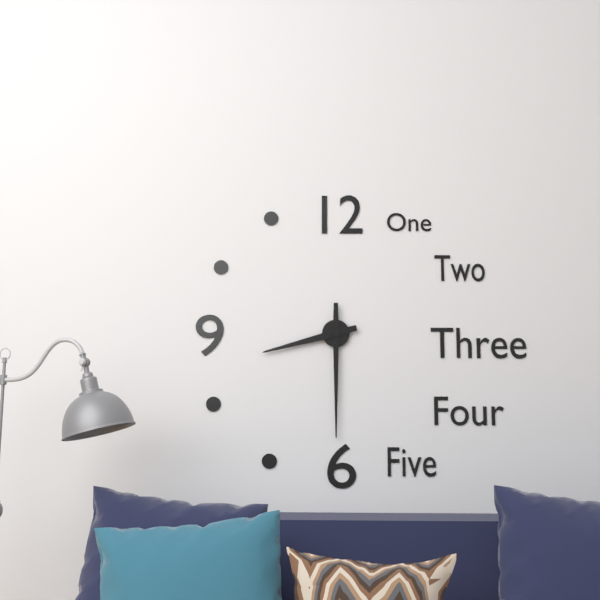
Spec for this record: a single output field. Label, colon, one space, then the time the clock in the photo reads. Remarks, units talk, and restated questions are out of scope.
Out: 8:30
